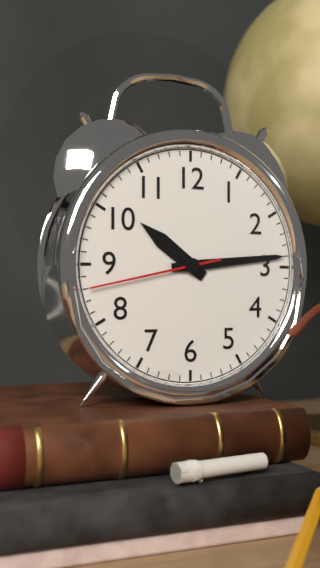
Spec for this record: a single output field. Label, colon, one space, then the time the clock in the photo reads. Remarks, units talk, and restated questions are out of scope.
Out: 10:14:43
